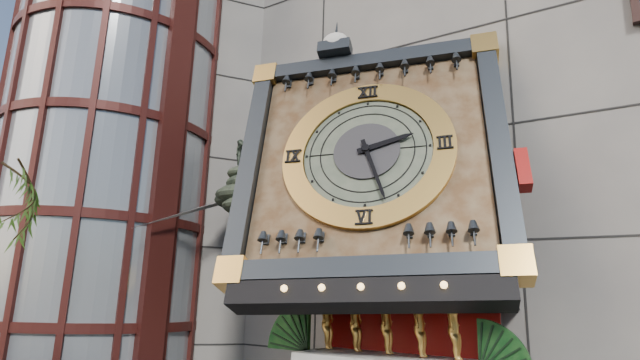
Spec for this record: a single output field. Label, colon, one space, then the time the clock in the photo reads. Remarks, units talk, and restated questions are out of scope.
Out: 2:27
